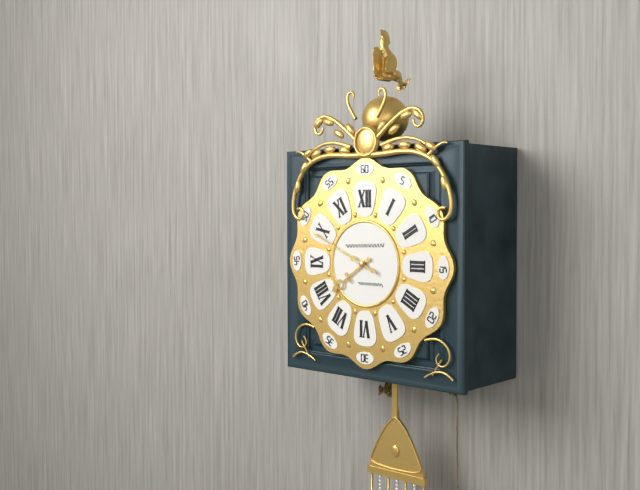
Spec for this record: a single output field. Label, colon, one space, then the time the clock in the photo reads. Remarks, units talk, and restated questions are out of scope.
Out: 7:49
